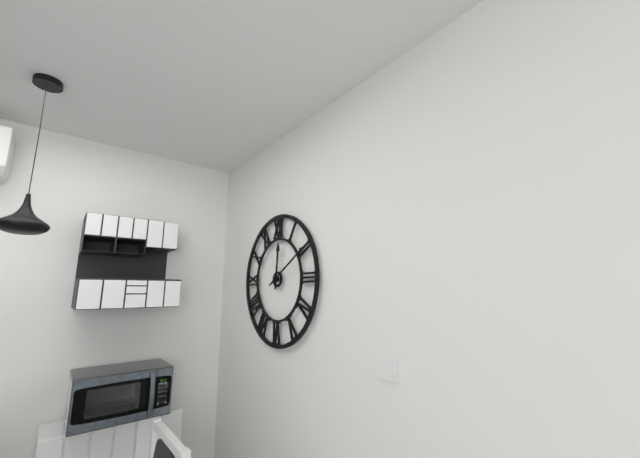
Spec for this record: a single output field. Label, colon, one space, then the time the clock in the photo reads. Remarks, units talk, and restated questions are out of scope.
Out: 12:10
